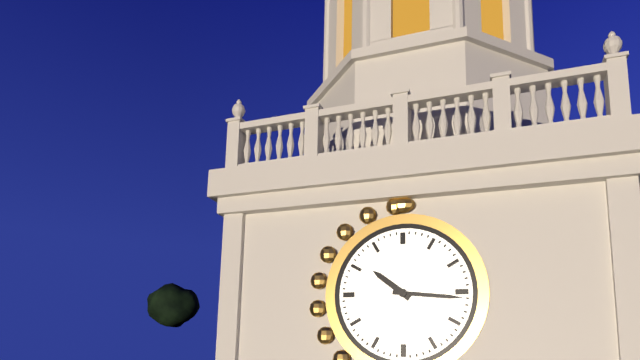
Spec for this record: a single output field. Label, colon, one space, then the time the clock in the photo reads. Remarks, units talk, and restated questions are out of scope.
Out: 10:16
